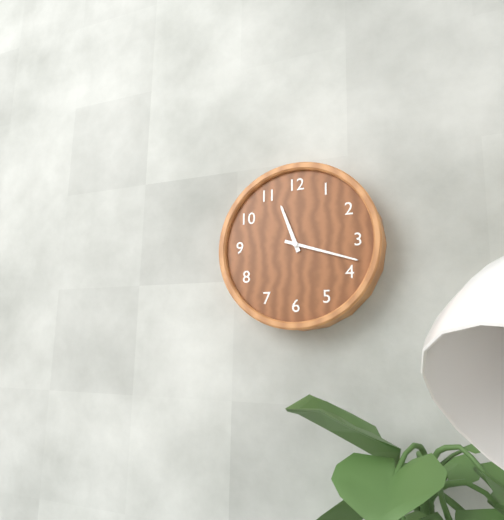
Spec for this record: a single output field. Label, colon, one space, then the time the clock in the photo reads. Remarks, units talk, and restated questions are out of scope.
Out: 11:18
